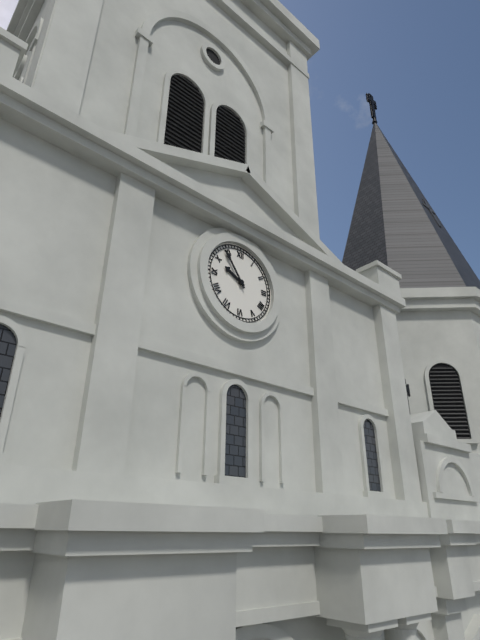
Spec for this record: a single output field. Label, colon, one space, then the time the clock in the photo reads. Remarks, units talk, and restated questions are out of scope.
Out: 9:54
